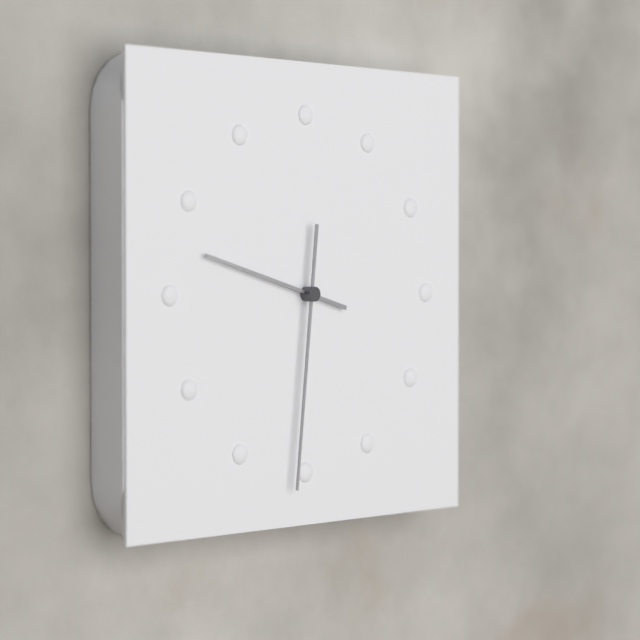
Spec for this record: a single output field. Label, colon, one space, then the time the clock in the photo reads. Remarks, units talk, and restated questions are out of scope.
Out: 9:31
